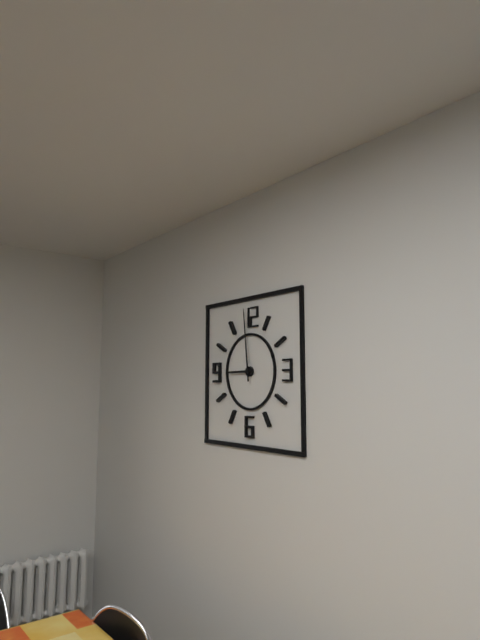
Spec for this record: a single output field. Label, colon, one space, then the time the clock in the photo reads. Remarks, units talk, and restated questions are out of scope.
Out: 8:59
